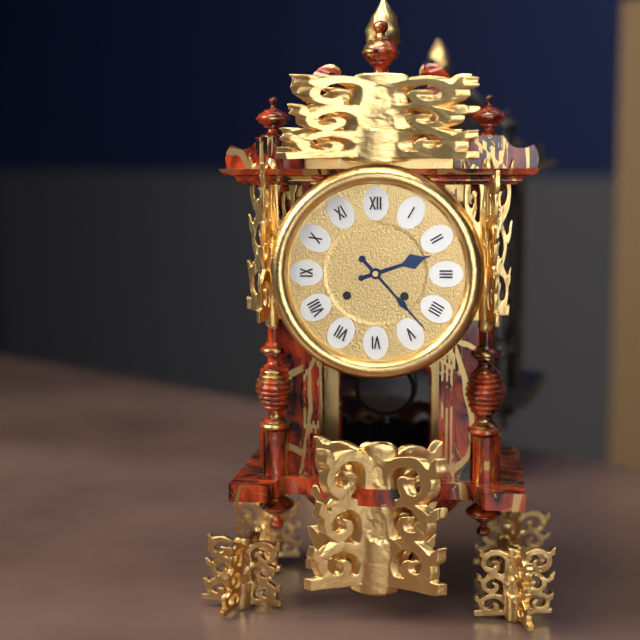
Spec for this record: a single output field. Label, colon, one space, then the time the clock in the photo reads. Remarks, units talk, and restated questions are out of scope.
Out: 2:23
